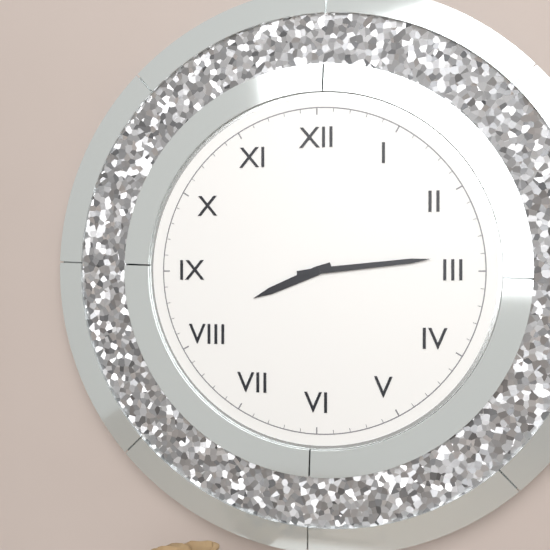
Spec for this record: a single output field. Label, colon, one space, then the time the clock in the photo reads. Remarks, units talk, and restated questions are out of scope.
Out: 8:14
